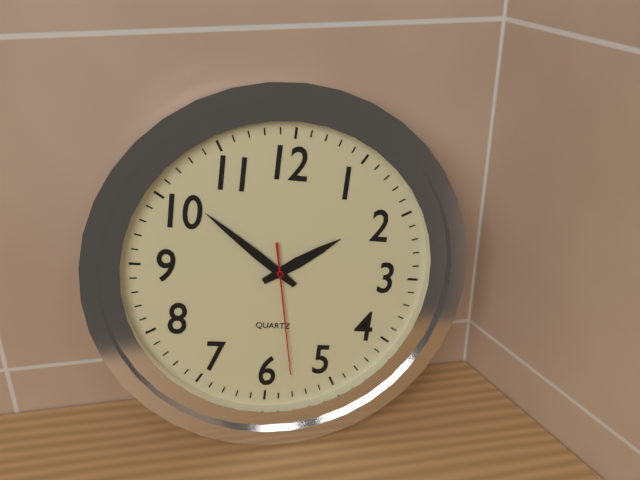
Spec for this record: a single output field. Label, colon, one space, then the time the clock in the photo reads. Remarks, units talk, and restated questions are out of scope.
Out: 1:51:28
